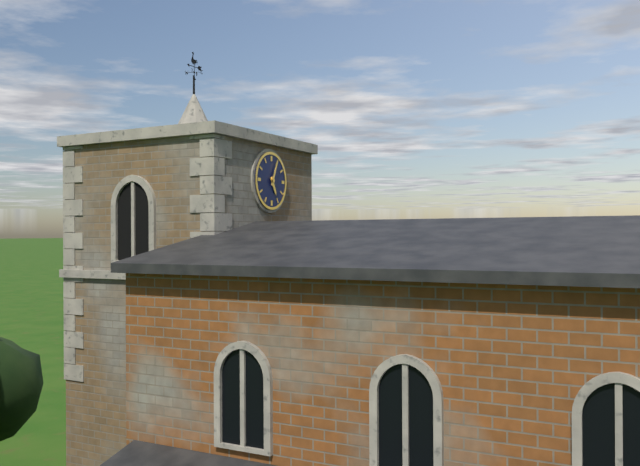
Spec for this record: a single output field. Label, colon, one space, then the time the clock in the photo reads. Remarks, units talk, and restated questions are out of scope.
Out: 5:04
